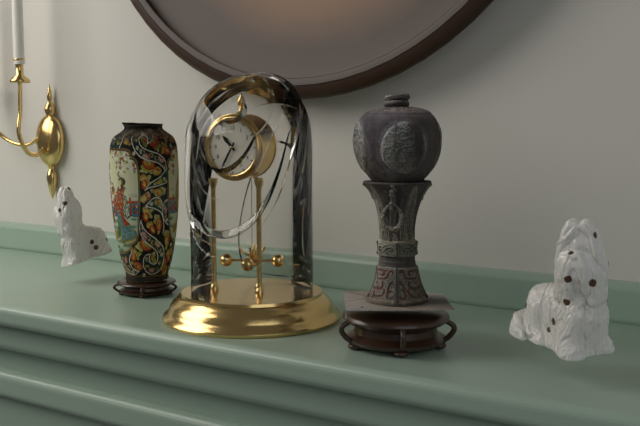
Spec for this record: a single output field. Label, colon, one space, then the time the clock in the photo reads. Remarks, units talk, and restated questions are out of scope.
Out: 10:35
